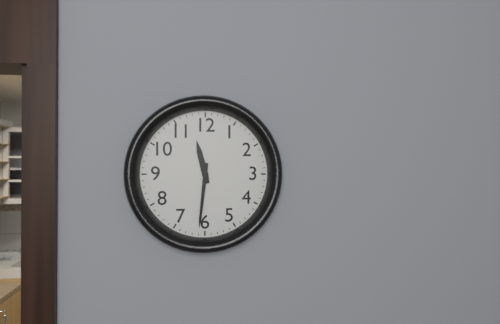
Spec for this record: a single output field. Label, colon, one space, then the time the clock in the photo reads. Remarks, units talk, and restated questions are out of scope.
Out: 11:31
